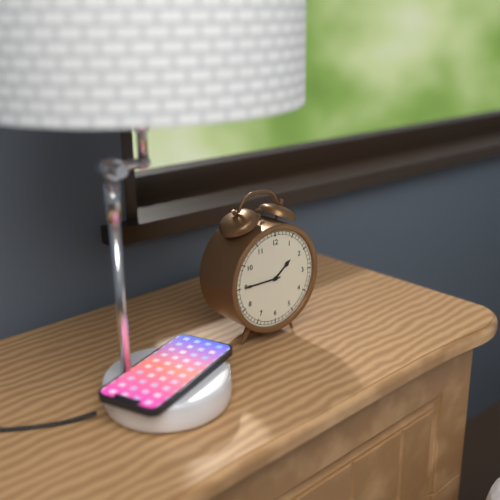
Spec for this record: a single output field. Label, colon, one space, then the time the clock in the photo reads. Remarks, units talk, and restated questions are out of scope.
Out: 1:45
